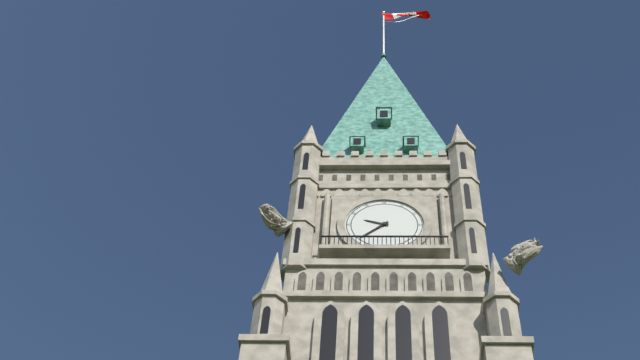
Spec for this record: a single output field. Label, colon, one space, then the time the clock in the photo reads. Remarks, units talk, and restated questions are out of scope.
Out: 9:38
